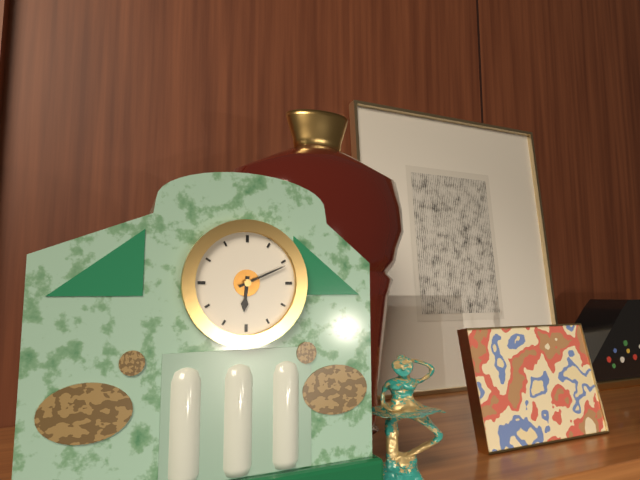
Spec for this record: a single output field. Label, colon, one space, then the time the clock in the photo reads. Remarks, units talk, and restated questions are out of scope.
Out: 6:11
